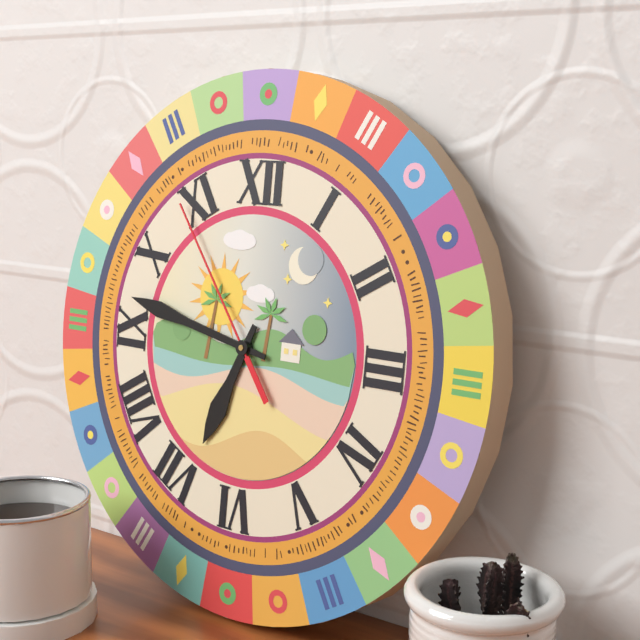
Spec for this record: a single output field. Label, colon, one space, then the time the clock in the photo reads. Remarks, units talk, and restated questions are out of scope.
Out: 6:47:54
